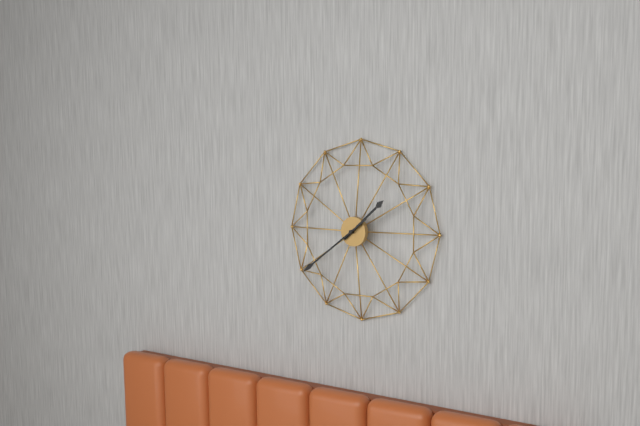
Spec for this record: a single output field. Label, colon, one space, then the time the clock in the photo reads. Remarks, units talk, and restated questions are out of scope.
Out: 1:39
